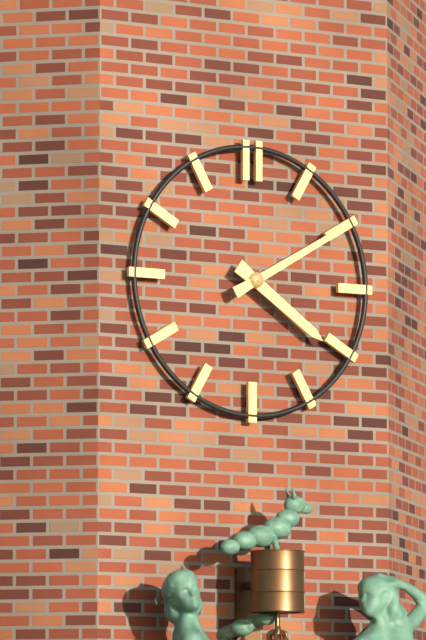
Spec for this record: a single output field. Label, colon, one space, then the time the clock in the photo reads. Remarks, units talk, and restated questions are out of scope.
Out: 4:10
